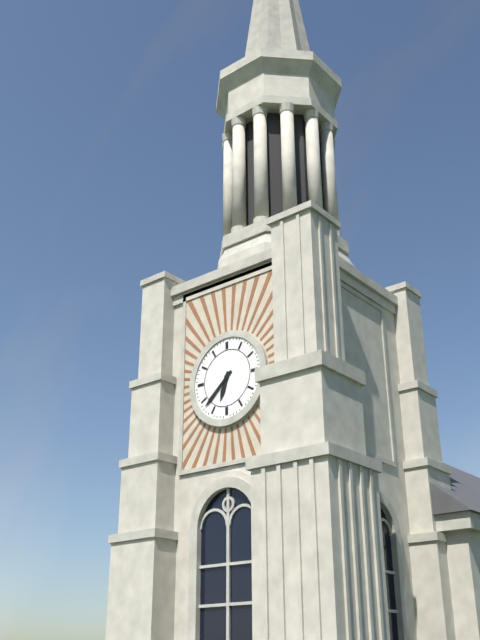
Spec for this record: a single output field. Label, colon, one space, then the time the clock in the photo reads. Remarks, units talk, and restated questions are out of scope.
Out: 6:38
